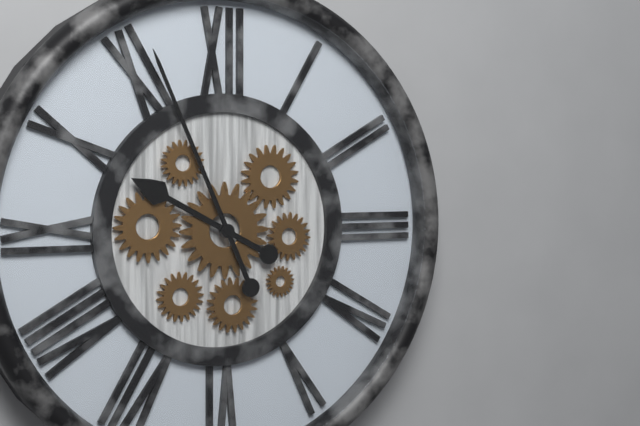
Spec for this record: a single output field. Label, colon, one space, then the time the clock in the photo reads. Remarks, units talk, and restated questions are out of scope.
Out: 9:56
